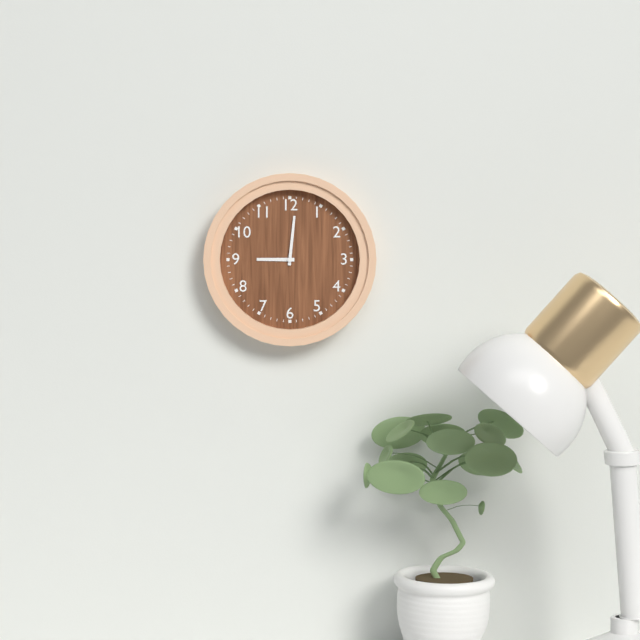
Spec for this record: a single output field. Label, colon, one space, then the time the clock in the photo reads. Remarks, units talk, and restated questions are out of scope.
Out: 9:01
